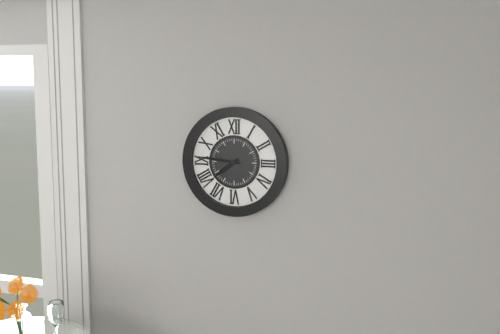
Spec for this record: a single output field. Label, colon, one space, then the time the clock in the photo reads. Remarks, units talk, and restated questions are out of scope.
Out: 7:46
